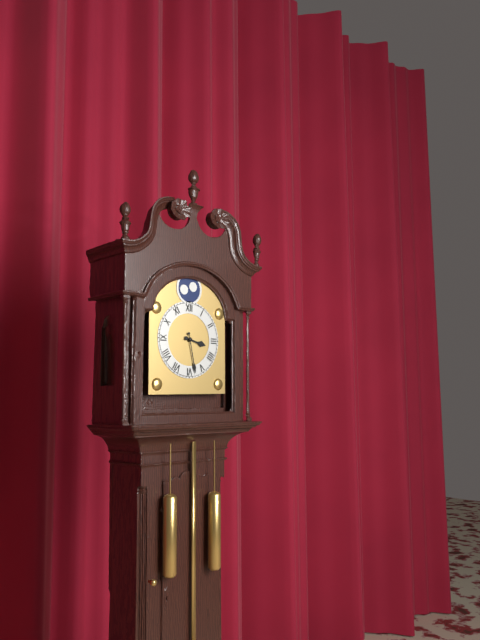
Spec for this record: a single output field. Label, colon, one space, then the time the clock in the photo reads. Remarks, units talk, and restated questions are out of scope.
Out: 3:28
